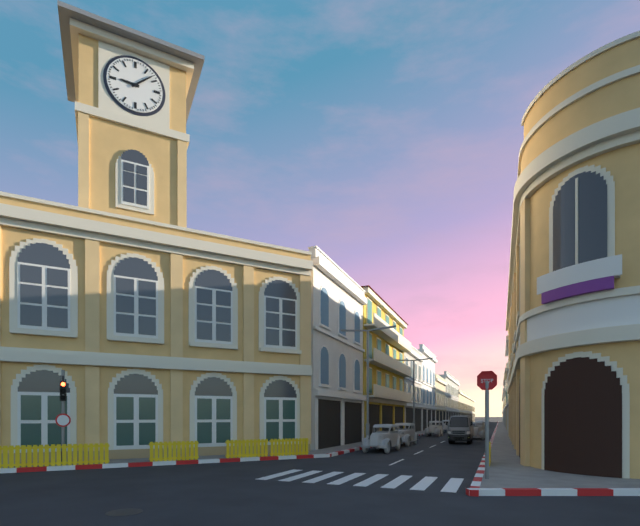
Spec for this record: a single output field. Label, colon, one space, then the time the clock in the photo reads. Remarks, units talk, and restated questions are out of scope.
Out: 9:08
